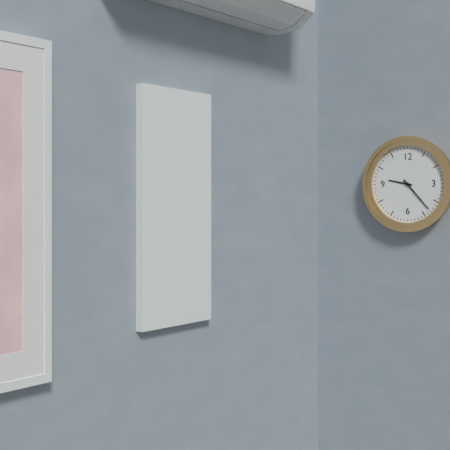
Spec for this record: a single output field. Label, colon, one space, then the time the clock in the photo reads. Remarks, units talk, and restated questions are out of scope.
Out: 9:23
